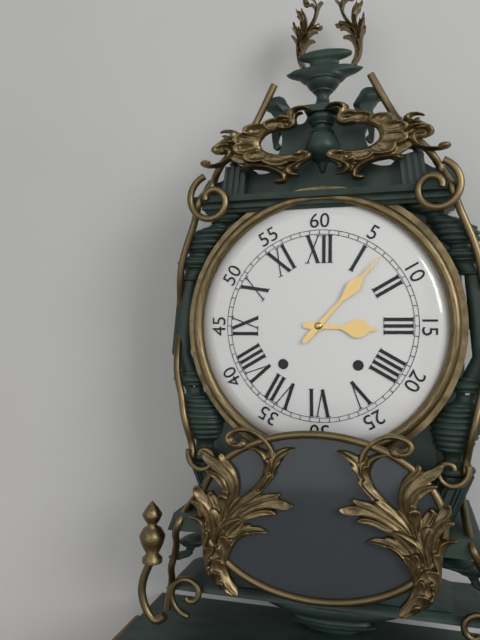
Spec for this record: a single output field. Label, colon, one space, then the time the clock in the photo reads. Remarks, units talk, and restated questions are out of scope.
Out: 3:07
